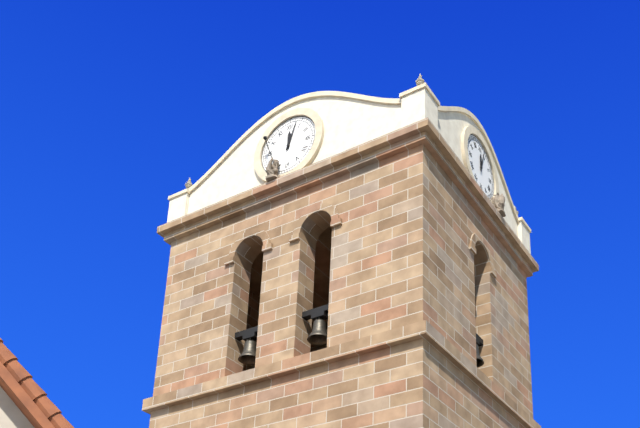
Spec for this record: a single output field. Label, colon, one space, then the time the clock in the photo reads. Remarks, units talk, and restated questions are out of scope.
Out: 12:03
